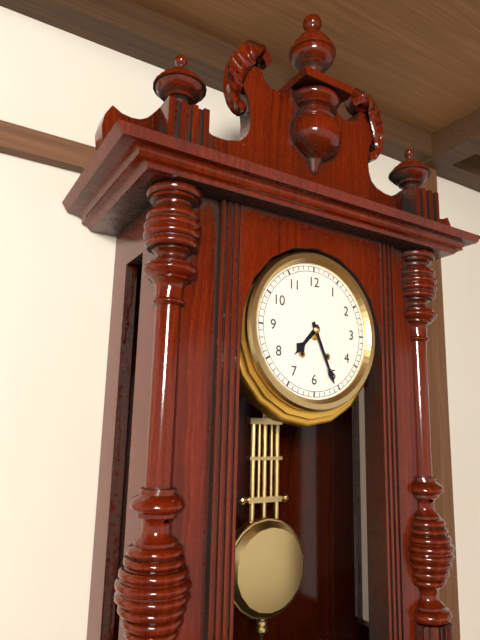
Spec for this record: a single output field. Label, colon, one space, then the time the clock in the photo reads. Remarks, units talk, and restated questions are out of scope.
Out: 7:26
